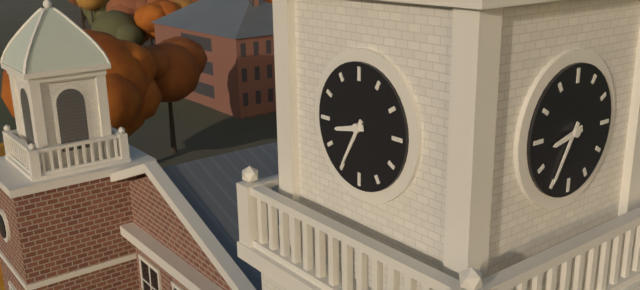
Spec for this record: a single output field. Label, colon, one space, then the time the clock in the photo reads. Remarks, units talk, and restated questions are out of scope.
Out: 8:35
